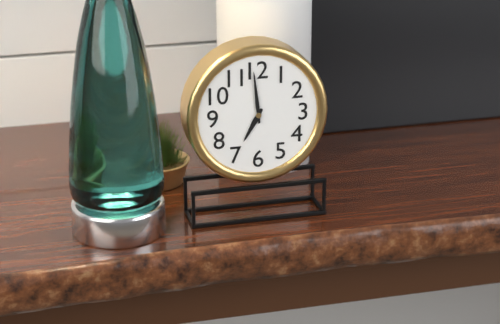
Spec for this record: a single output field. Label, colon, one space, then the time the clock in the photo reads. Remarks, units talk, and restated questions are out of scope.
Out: 6:59
